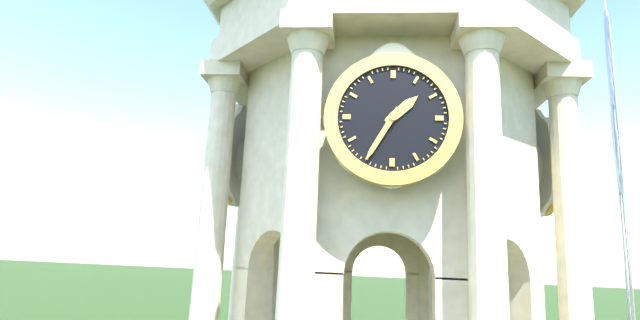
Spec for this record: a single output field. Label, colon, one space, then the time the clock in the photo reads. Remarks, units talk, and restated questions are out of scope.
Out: 1:35
